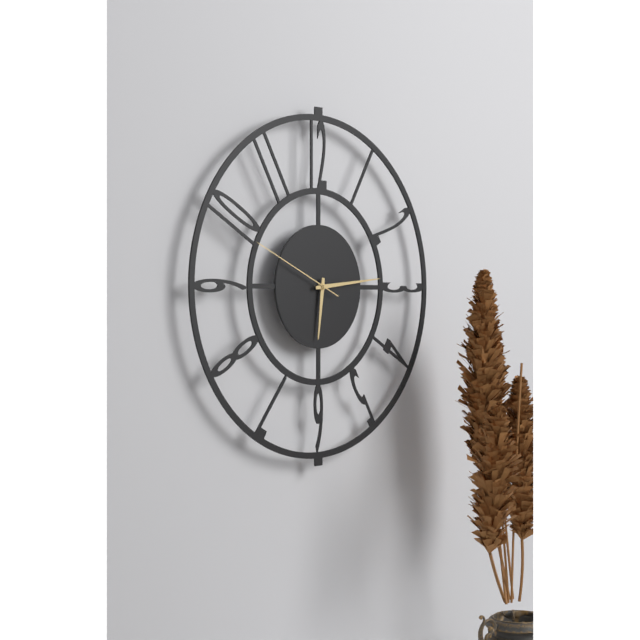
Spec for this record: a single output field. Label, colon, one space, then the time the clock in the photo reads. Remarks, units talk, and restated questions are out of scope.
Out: 6:14:49
